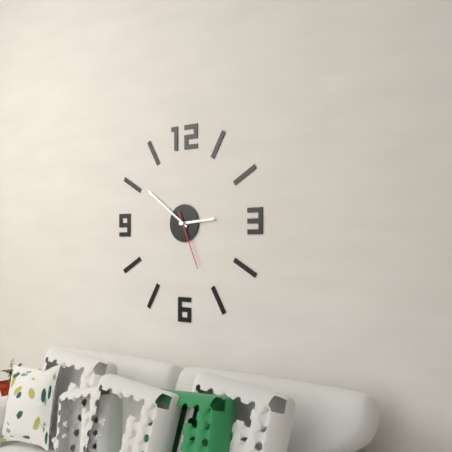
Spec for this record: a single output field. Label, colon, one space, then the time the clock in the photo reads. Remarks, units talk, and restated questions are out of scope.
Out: 2:51:26
